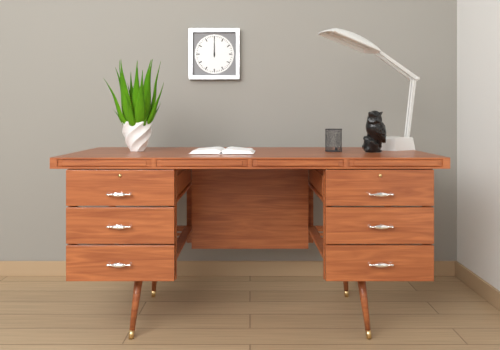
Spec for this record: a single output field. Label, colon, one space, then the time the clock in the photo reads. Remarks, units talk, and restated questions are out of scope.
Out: 12:00
